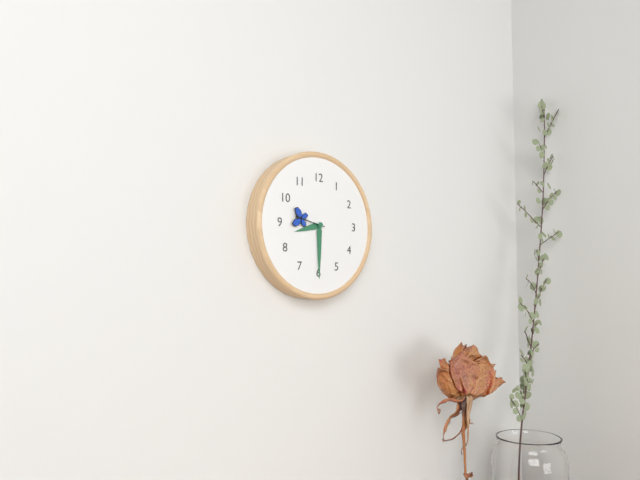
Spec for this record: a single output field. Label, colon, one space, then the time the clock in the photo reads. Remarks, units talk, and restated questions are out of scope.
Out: 8:30
